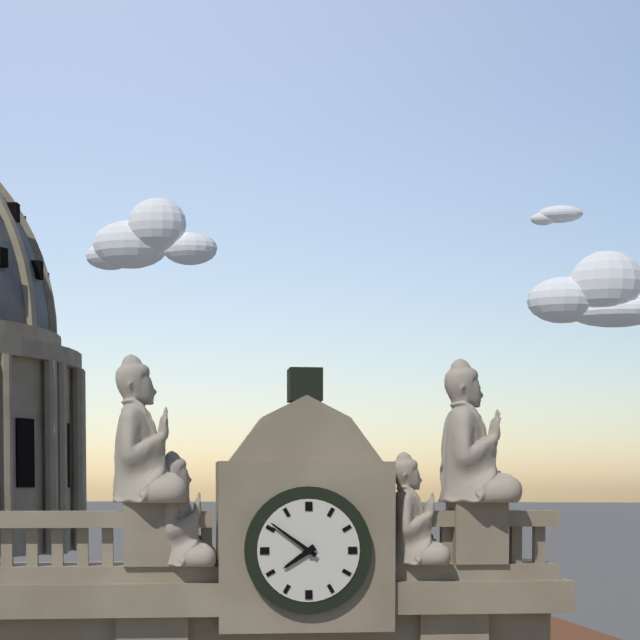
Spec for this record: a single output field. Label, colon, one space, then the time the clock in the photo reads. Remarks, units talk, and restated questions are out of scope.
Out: 7:51
